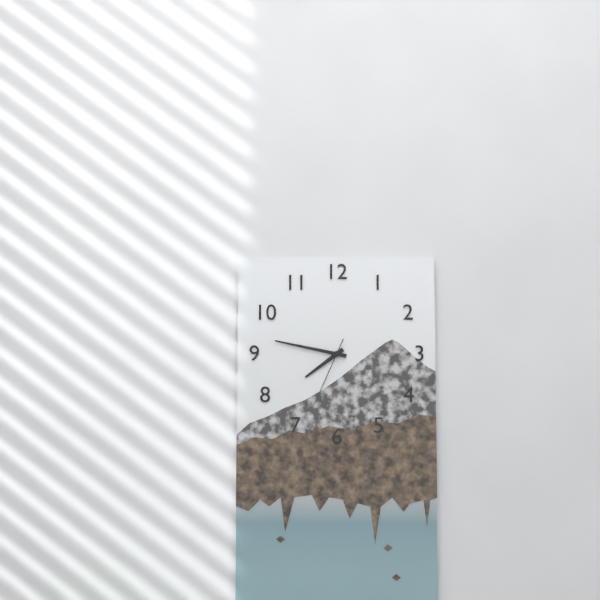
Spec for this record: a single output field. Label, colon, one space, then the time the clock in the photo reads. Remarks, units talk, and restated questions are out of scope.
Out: 7:47:34
